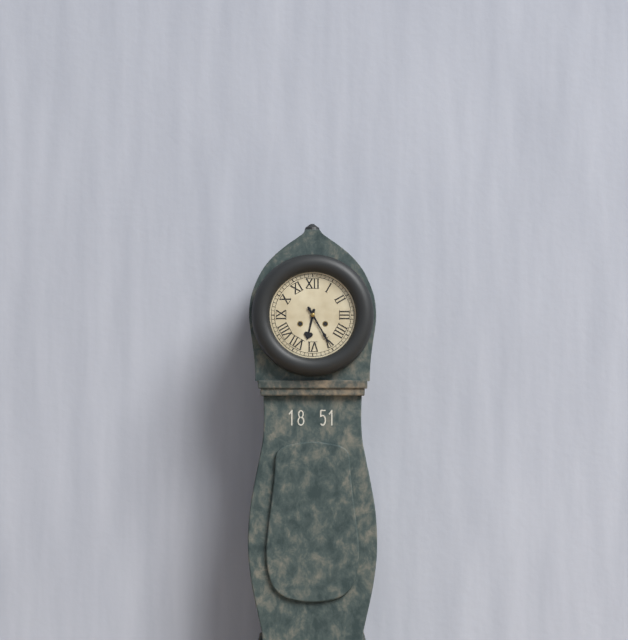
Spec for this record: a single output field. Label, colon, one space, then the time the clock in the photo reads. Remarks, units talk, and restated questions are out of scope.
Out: 6:25
